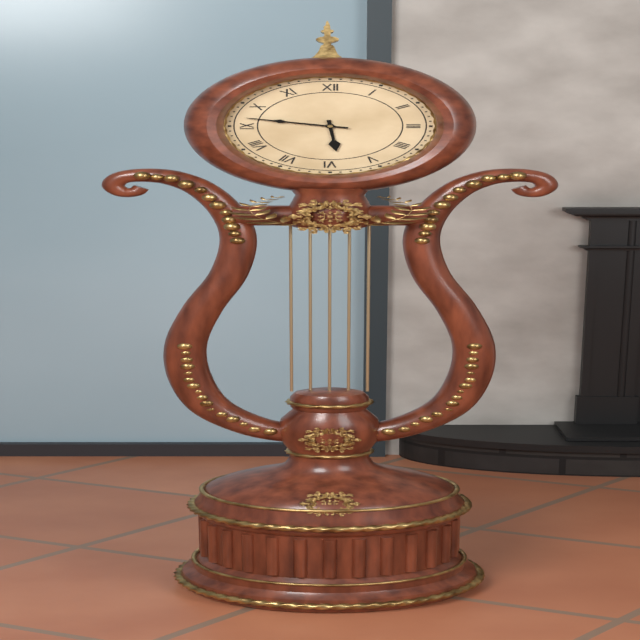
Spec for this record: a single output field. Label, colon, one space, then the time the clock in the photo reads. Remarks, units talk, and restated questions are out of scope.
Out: 5:47
